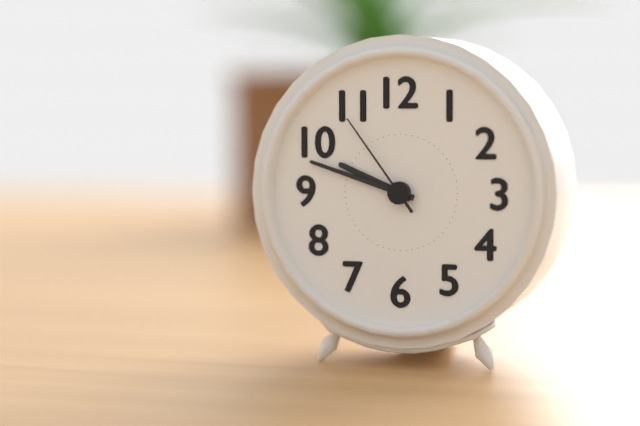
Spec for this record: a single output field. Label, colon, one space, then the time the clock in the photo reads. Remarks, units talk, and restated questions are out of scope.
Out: 9:48:54
